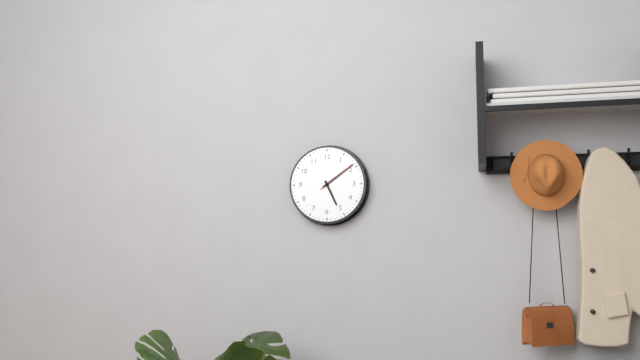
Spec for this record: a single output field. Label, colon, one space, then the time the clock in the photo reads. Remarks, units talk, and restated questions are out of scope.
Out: 5:09
